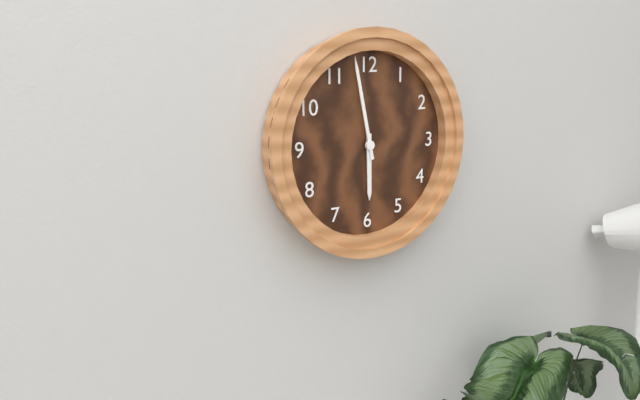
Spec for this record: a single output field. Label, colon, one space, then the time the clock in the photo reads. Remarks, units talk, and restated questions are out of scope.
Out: 5:58
